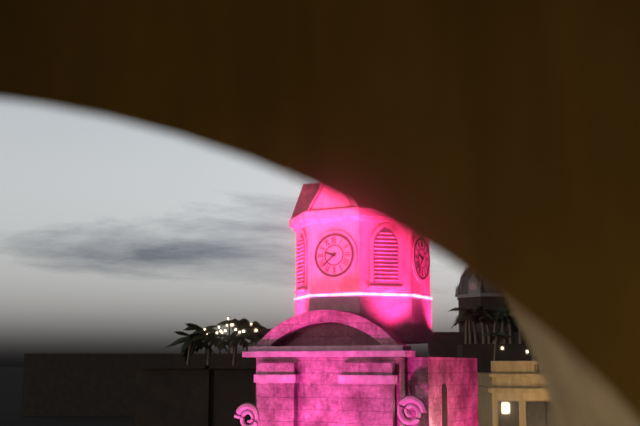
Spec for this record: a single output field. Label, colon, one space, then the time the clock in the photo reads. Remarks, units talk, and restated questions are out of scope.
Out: 9:38
